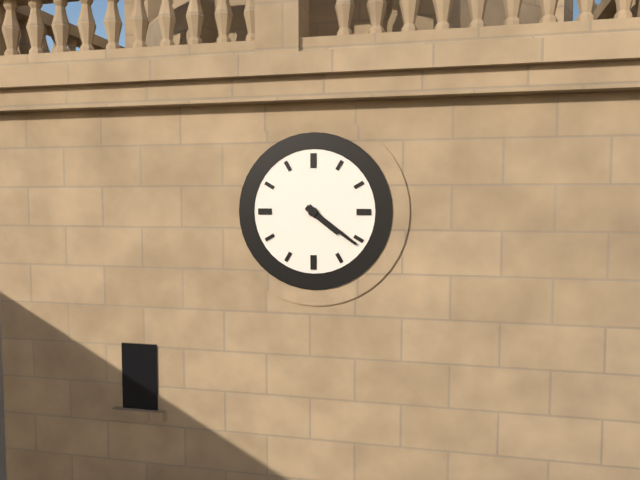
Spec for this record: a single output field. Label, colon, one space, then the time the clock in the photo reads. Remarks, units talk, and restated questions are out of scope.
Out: 4:21
